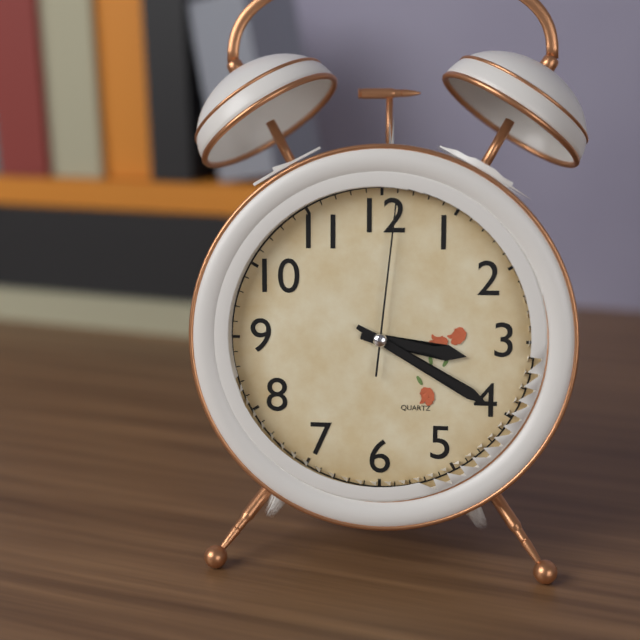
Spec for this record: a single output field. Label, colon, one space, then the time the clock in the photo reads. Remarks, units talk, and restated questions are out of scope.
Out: 3:20:01
